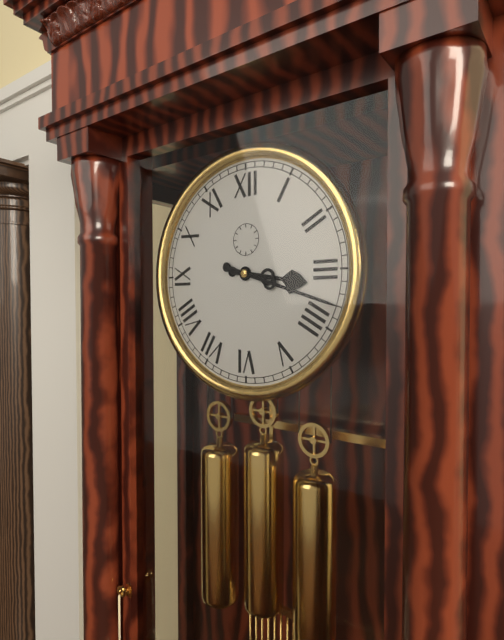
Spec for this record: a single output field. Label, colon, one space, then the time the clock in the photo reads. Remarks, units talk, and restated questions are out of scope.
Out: 3:18
